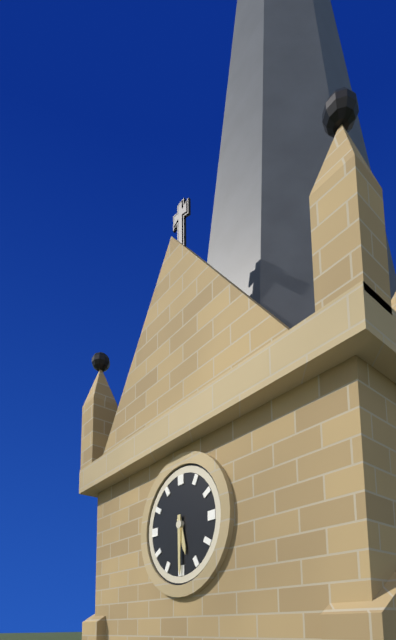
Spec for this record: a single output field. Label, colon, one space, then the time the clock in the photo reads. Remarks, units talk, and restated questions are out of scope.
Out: 5:30
